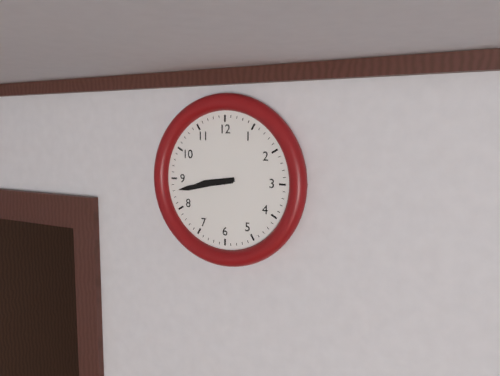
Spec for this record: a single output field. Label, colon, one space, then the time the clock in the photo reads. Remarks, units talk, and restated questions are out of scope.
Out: 8:43
